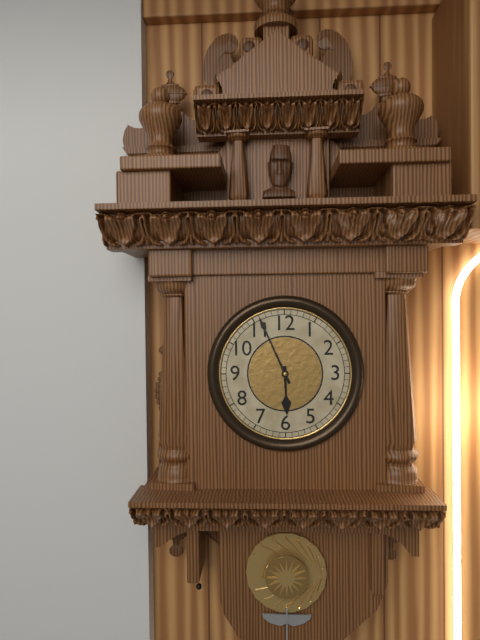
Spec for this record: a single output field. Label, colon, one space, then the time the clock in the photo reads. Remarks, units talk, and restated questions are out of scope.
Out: 5:56
